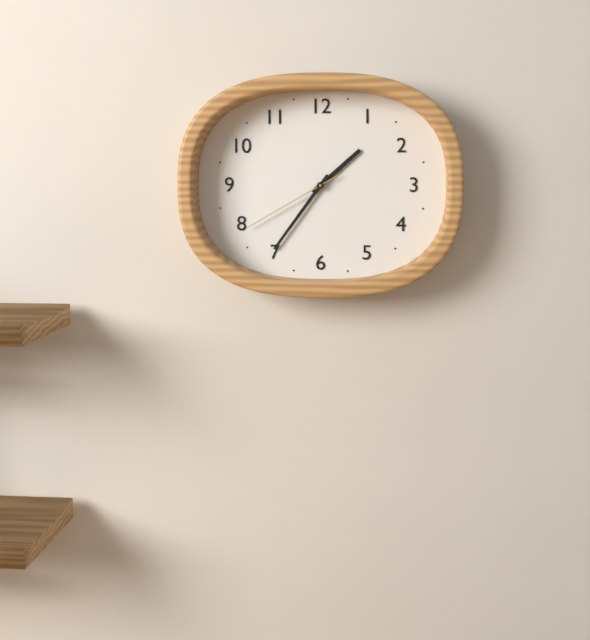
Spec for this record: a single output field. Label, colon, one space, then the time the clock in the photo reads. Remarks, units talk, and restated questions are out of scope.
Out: 1:36:40
